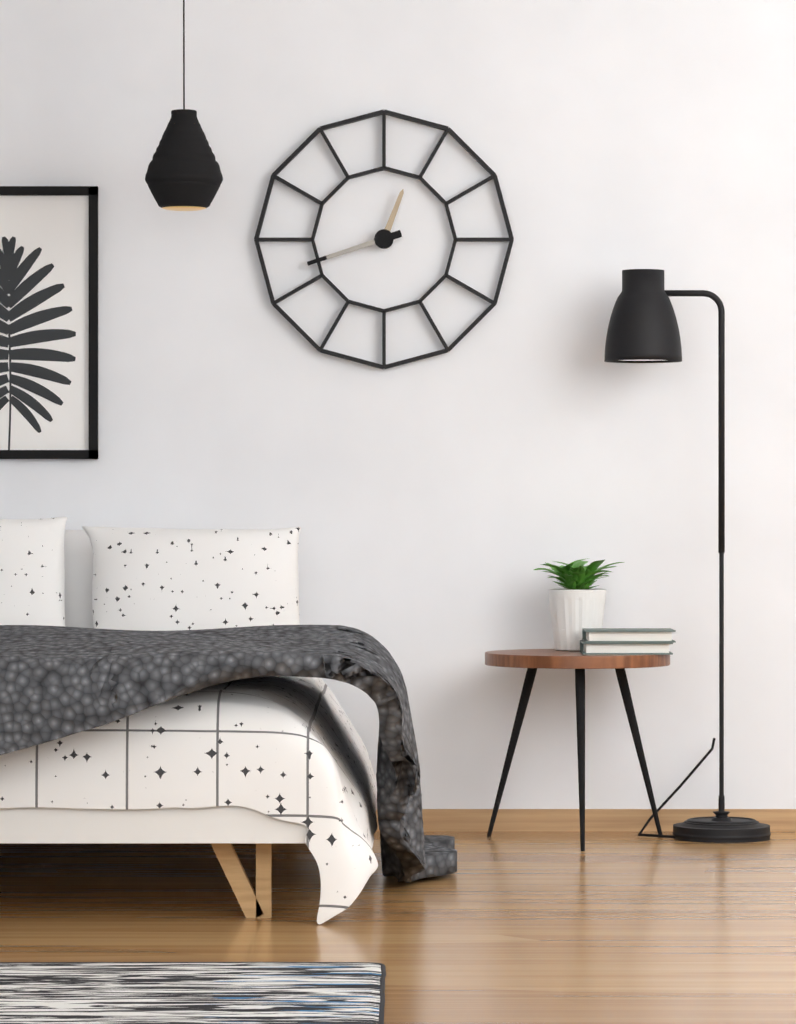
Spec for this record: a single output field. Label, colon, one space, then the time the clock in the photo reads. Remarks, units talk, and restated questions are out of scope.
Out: 12:42
